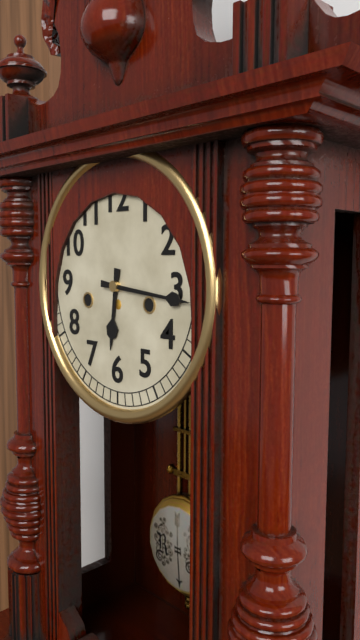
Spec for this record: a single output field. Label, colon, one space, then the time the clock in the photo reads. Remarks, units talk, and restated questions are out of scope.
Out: 6:16
